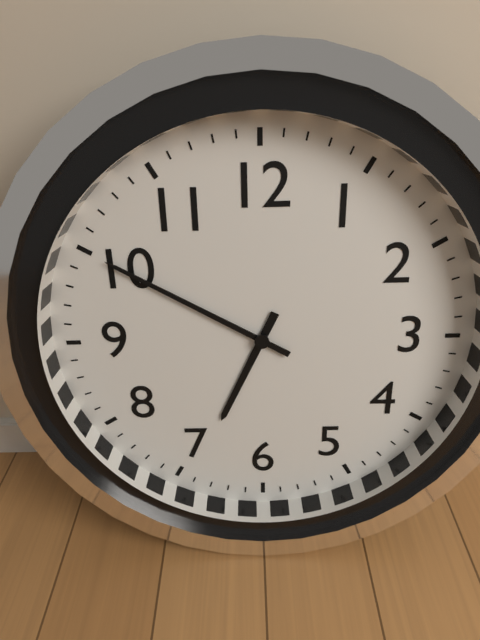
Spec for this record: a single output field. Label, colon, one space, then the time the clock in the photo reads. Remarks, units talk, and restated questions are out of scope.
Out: 6:50
